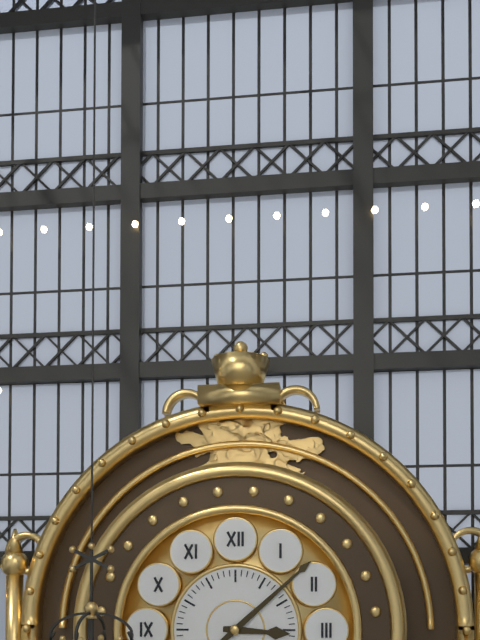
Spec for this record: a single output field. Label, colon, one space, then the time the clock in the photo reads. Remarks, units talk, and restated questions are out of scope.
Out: 3:08
